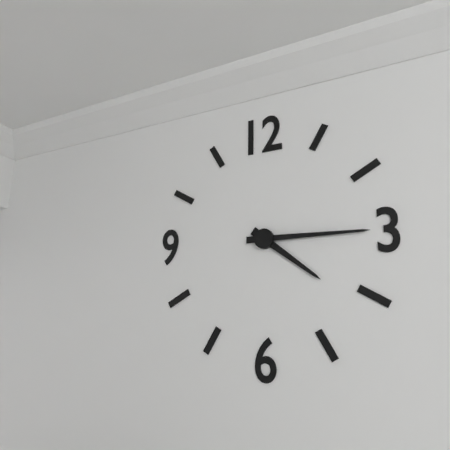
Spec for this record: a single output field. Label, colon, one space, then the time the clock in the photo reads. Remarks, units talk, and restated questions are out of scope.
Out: 4:15
